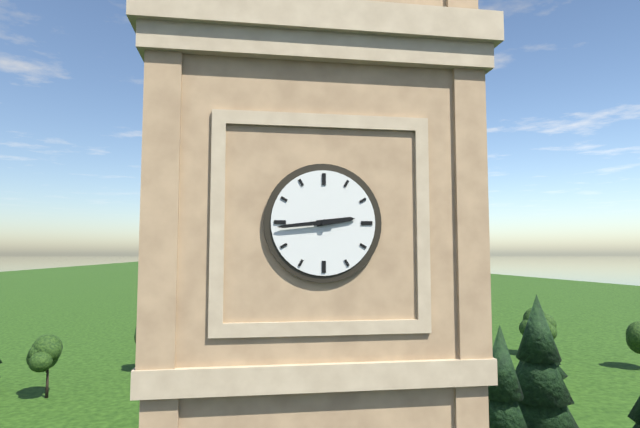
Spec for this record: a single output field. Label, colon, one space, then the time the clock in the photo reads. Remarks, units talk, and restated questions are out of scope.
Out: 2:44
